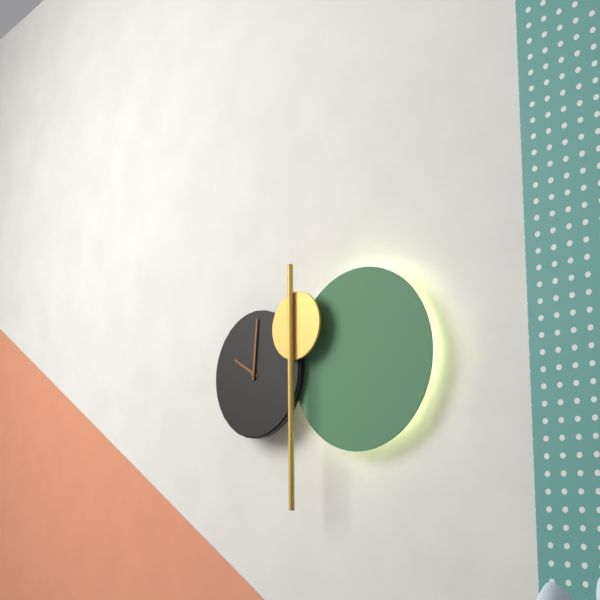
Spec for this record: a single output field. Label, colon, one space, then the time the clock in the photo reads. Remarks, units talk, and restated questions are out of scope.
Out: 10:01
